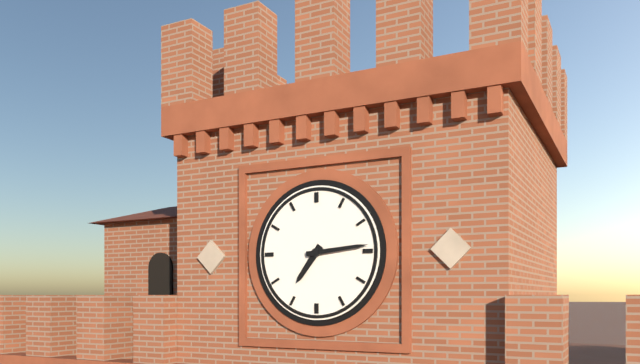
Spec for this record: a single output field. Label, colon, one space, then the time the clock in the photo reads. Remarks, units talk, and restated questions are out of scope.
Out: 7:14
